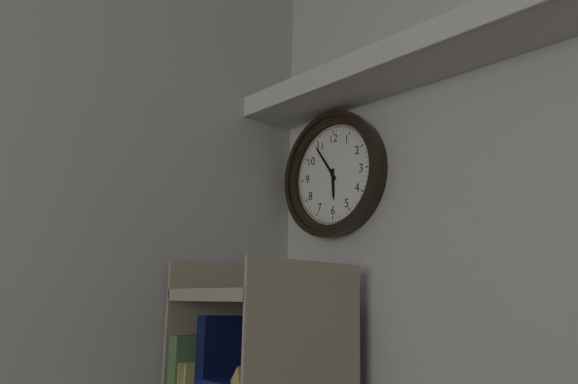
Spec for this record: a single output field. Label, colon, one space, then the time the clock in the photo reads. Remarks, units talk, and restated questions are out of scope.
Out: 5:54
